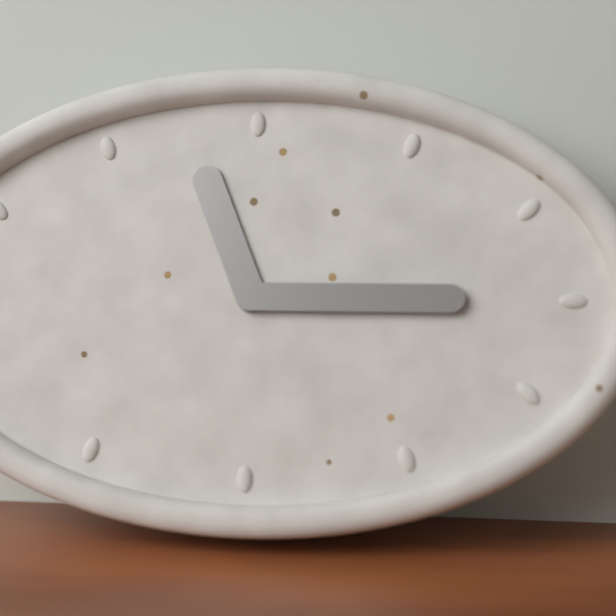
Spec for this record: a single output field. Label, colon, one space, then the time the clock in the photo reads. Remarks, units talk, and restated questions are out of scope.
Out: 11:15
